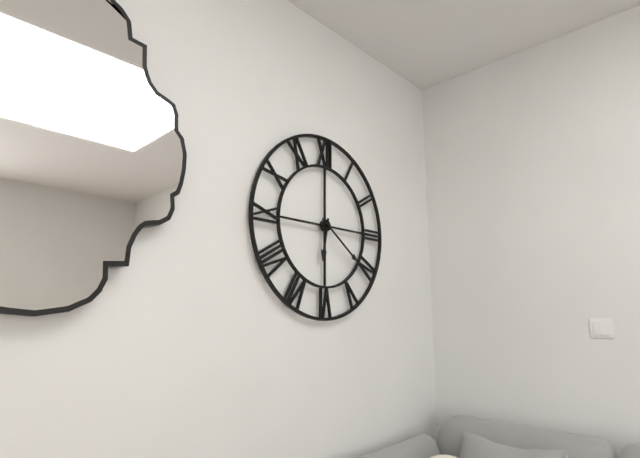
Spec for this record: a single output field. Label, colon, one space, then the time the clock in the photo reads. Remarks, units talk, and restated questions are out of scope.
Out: 6:21
